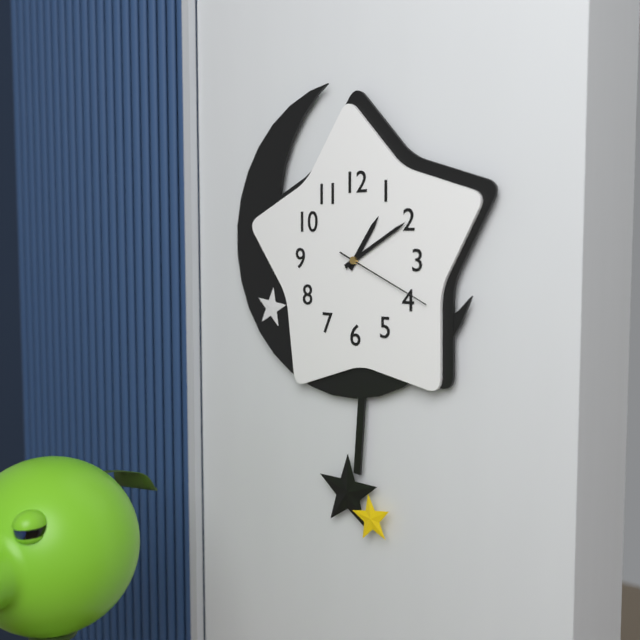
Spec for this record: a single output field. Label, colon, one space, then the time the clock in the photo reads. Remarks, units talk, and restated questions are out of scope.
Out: 1:10:19
